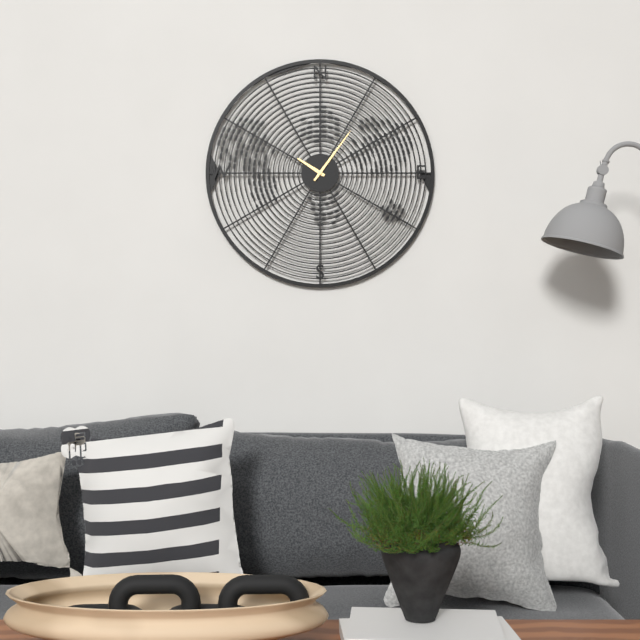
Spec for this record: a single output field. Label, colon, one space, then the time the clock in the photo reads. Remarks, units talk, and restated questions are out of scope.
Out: 10:06
